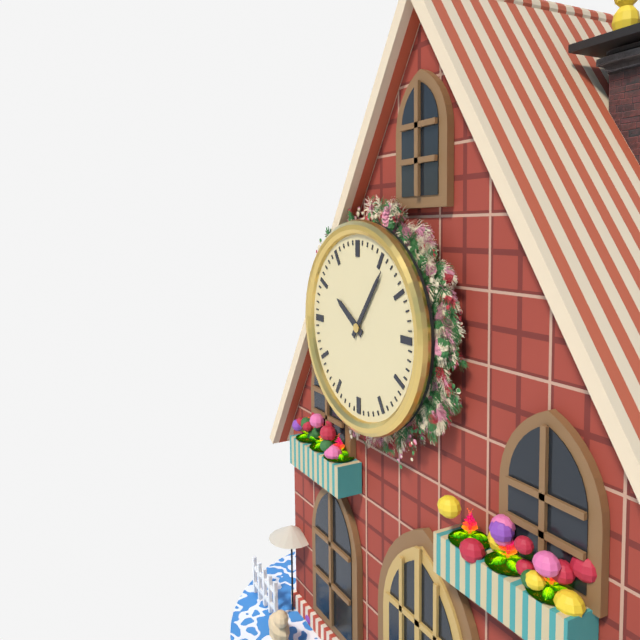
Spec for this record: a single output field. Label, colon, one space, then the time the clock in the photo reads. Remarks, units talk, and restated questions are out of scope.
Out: 10:06
